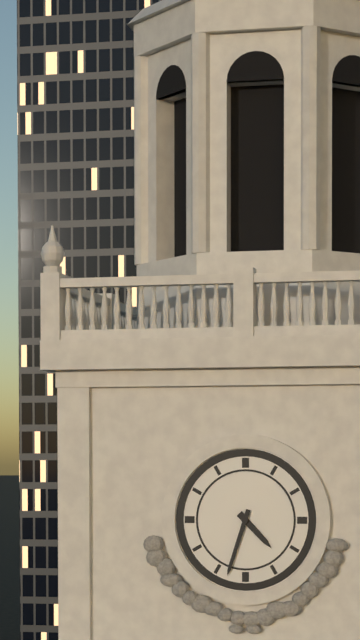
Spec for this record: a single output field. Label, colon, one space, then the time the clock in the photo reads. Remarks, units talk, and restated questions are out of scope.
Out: 4:33
